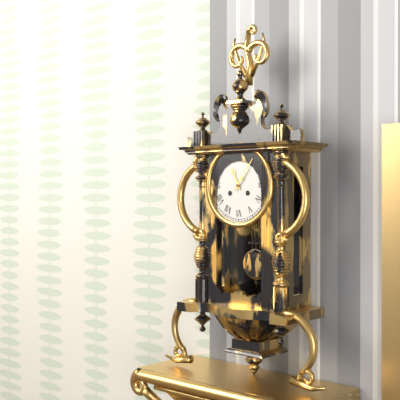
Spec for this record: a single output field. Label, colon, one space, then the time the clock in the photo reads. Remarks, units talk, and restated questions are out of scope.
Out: 11:06
